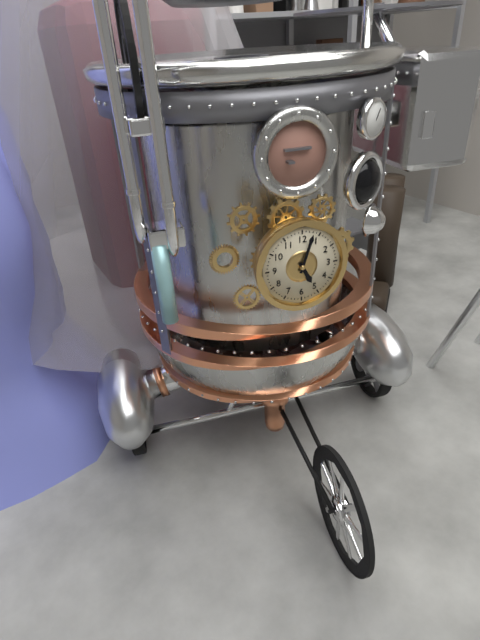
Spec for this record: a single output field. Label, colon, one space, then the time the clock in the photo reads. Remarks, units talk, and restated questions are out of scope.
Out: 5:03
